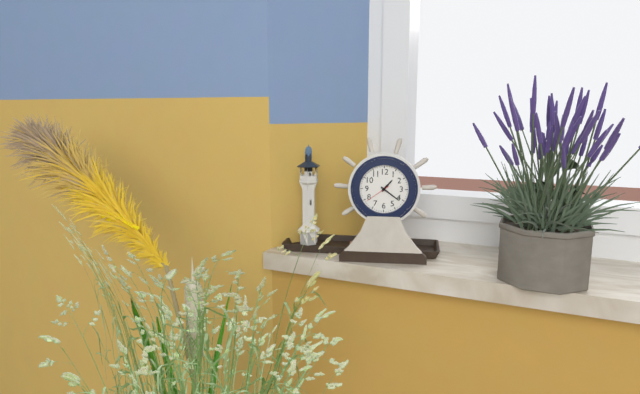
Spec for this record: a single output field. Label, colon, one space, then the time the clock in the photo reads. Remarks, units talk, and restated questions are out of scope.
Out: 1:21
